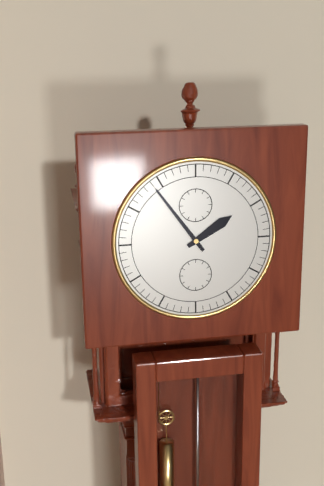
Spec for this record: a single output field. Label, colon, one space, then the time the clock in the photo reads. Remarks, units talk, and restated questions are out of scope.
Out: 1:54
